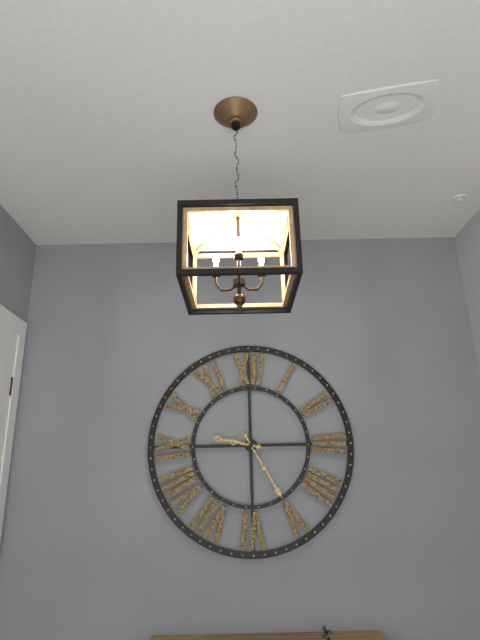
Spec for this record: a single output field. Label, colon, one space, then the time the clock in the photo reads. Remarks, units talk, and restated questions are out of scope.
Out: 9:25
